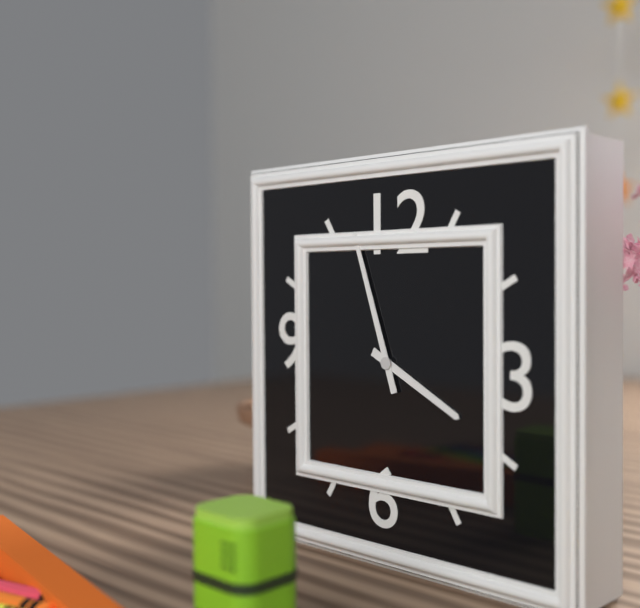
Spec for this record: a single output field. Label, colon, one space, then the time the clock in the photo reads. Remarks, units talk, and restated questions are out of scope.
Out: 3:57
